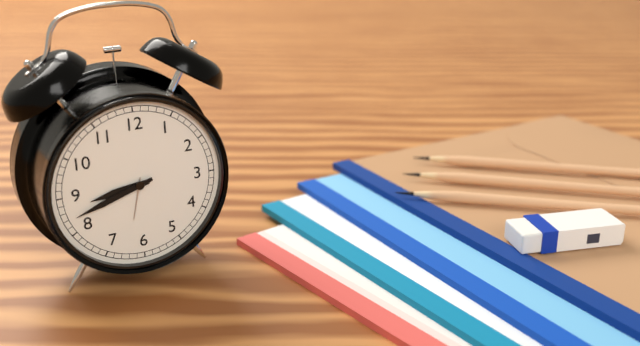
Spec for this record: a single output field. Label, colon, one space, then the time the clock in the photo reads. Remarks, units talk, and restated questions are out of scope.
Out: 8:42
